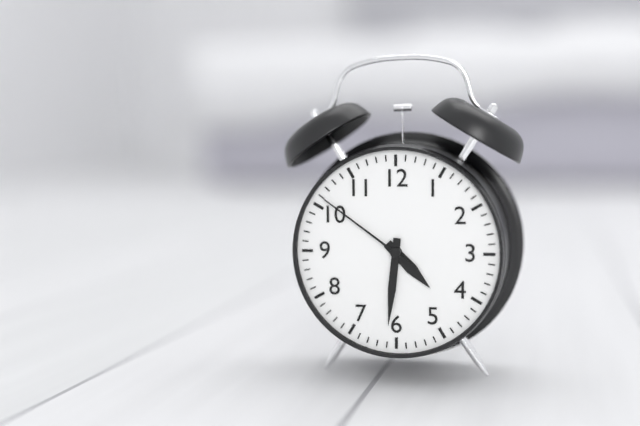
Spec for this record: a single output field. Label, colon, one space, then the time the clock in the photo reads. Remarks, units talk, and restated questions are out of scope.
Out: 4:31:51
